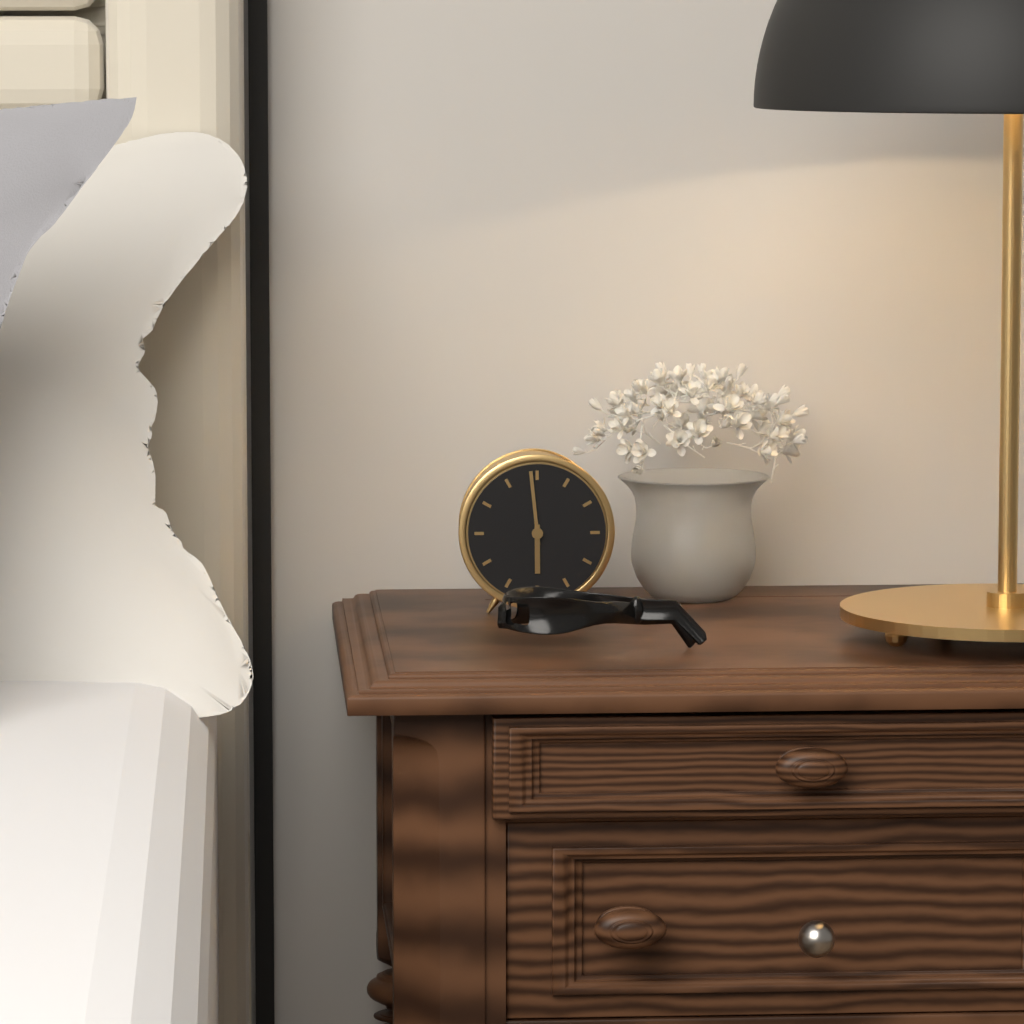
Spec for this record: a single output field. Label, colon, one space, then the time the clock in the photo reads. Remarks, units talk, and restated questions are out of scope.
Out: 5:59
